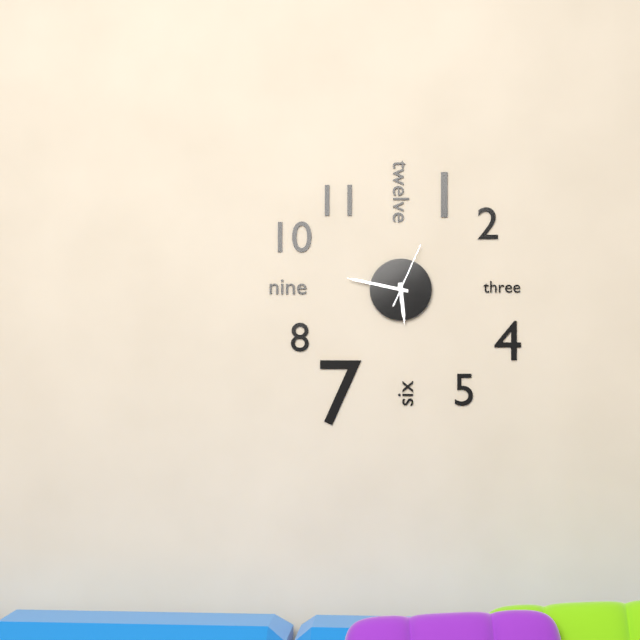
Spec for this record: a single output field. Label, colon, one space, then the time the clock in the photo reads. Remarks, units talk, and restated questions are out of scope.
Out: 5:47:04
